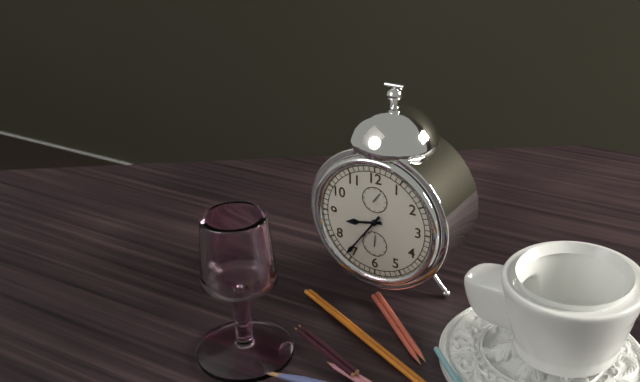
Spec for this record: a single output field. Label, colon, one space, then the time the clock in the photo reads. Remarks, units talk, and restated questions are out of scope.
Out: 8:36
